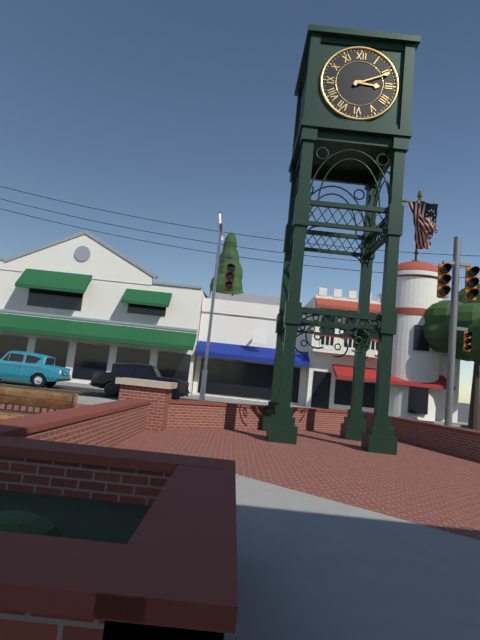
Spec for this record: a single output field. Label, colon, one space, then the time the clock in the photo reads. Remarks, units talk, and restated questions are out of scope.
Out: 3:11
